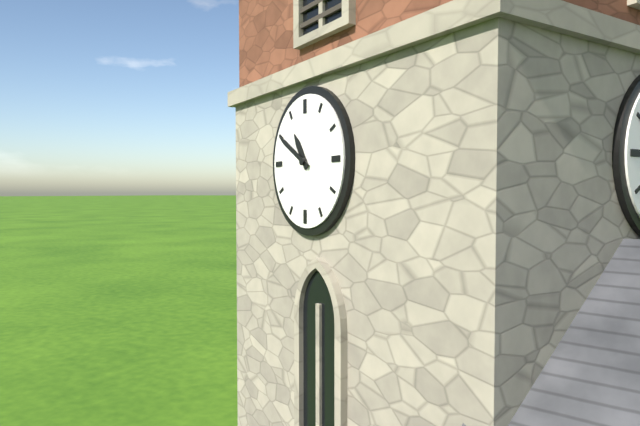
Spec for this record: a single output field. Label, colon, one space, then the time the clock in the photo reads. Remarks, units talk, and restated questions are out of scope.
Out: 10:50
